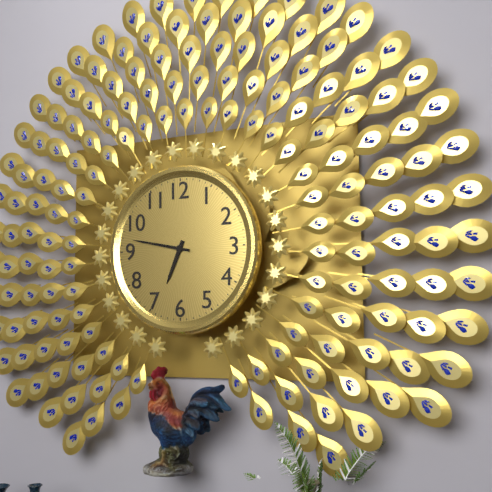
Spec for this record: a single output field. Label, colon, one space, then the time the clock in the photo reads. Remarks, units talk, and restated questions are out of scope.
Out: 6:47
